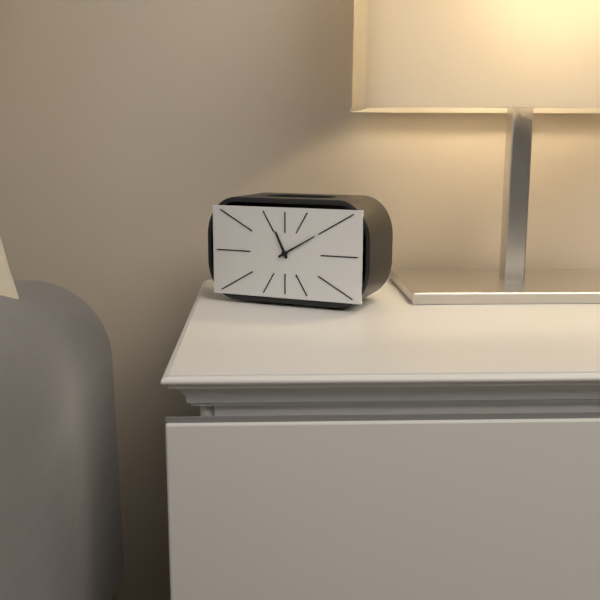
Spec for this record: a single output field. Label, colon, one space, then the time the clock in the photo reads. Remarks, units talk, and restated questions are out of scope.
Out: 11:10
